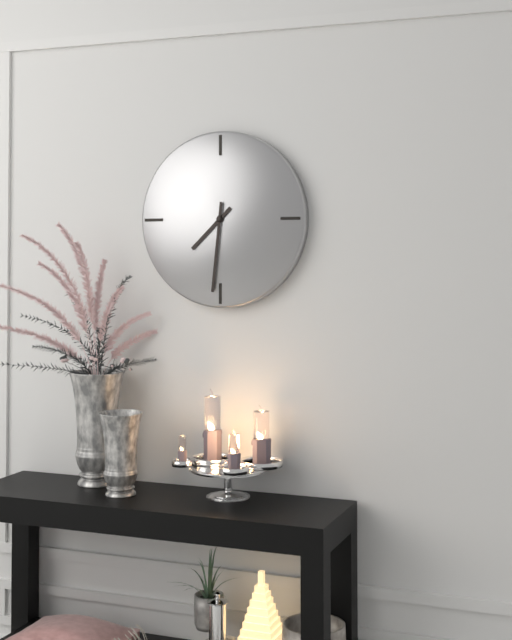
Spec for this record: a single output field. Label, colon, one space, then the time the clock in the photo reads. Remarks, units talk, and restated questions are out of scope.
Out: 7:31
